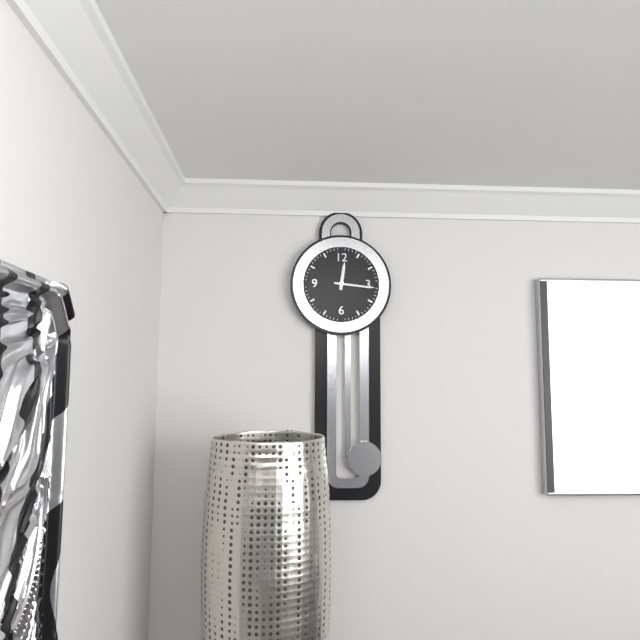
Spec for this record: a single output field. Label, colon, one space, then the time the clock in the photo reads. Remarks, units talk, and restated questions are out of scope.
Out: 12:16
